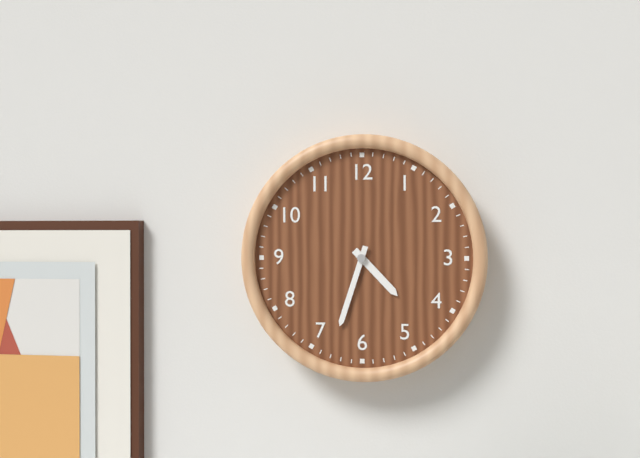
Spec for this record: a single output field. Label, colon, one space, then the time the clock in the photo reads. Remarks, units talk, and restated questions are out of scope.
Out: 4:33
